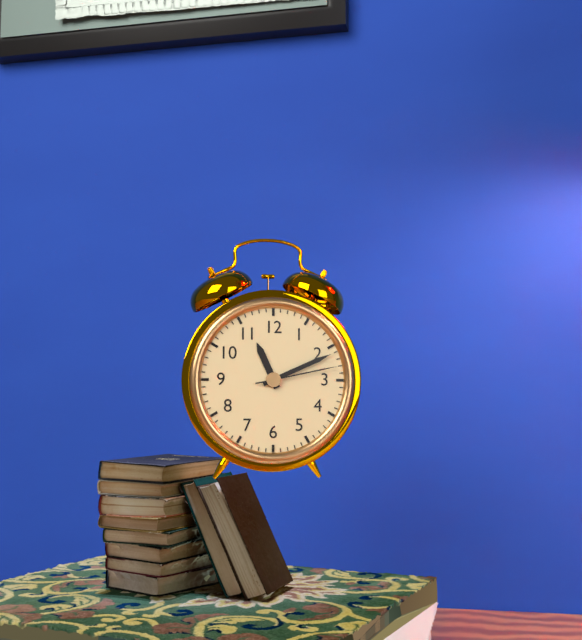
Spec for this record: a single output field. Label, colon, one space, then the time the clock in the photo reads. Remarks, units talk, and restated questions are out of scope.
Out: 11:11:13
